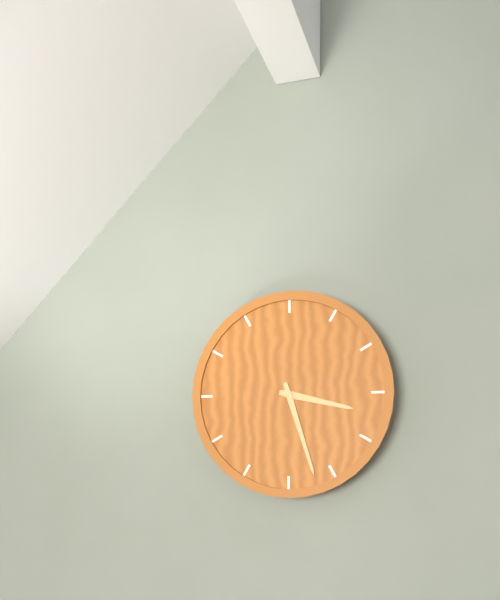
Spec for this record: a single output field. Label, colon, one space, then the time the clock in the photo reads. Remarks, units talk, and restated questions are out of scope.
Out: 3:27
